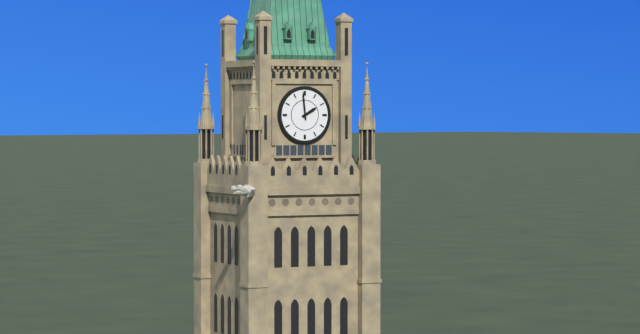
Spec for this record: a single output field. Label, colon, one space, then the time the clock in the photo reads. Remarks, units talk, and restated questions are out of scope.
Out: 1:59
